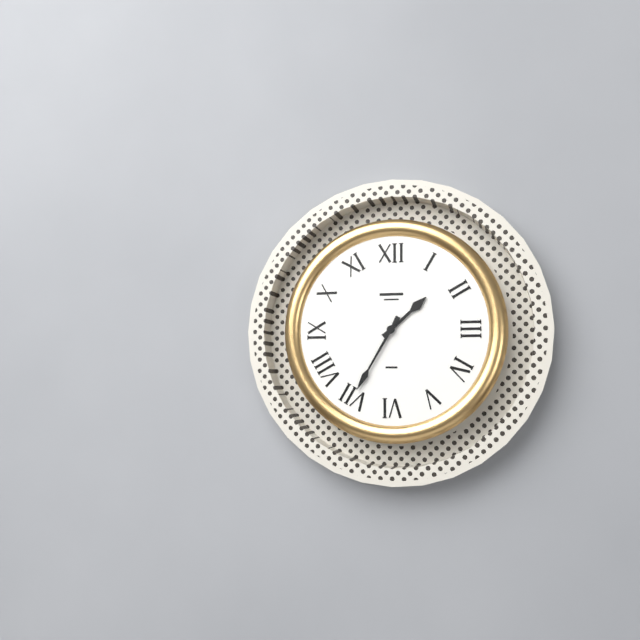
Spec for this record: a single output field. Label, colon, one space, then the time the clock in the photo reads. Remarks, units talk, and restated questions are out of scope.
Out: 1:35
